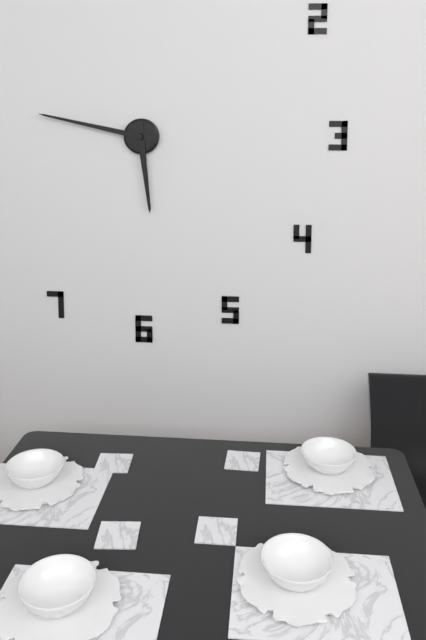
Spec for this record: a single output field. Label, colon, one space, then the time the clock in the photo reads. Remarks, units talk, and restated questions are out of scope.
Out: 5:47
